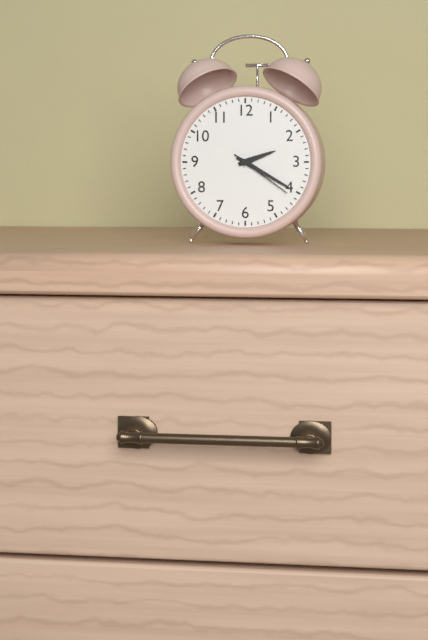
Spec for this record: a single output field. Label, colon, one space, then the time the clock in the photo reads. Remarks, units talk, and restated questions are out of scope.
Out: 2:20:21
